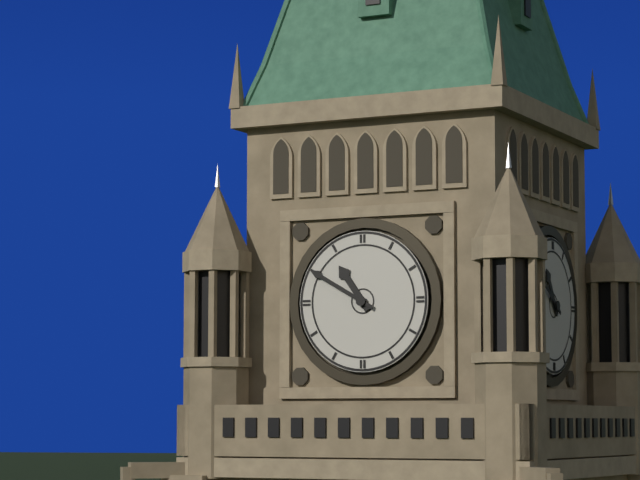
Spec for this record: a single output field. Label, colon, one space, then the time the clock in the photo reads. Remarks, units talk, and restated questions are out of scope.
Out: 10:50
